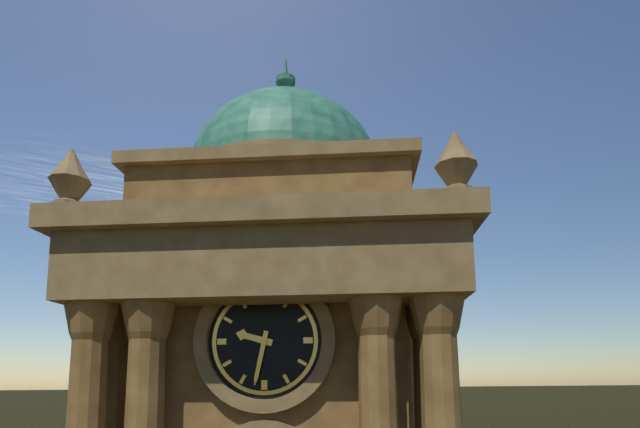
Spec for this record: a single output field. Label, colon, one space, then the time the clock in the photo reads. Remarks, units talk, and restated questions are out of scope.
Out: 9:32
